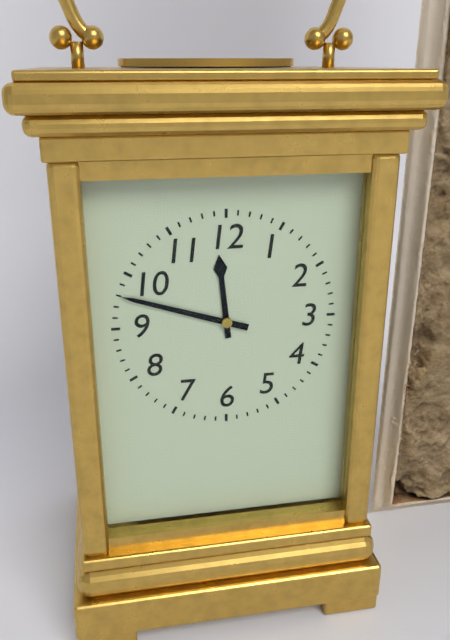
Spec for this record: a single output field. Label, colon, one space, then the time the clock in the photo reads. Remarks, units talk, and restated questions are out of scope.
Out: 11:48
